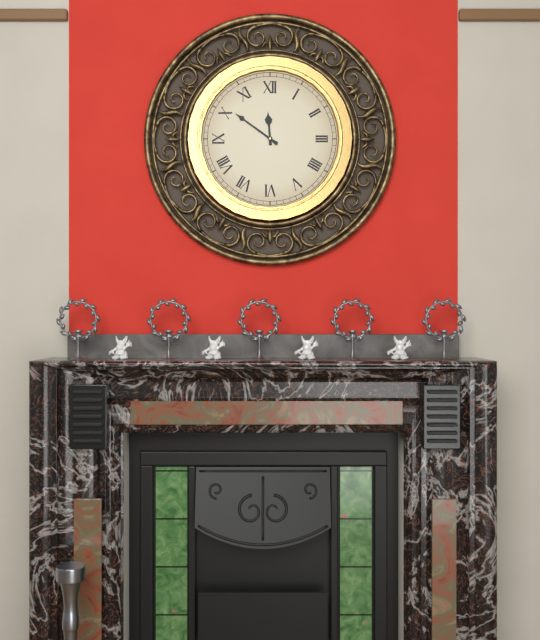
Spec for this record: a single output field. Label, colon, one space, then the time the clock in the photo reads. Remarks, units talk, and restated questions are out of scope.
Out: 11:51
